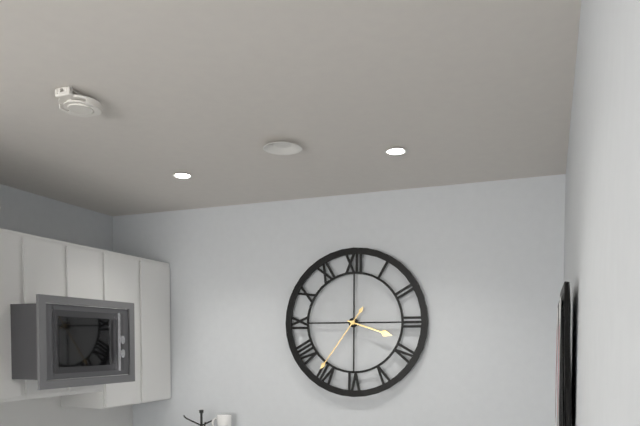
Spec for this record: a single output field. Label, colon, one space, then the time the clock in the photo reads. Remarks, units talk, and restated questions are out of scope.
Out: 3:36
